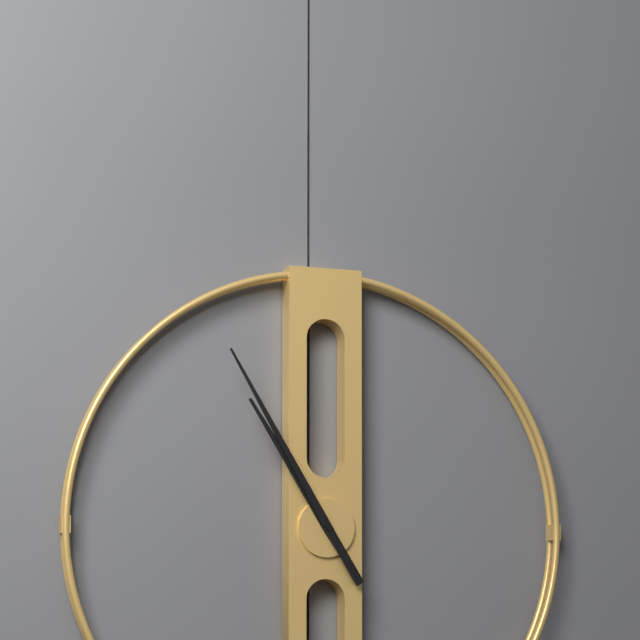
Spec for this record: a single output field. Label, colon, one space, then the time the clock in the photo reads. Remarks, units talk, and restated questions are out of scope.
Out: 10:55
